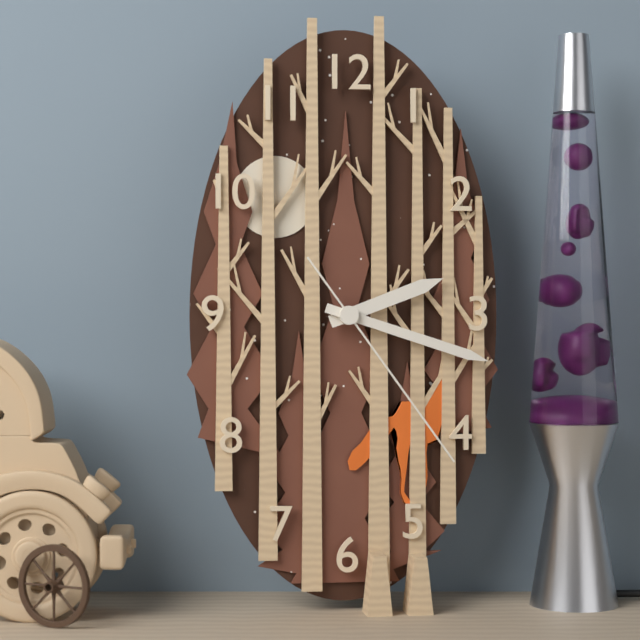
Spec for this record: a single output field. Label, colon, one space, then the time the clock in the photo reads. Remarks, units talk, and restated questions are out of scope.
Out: 2:18:24
